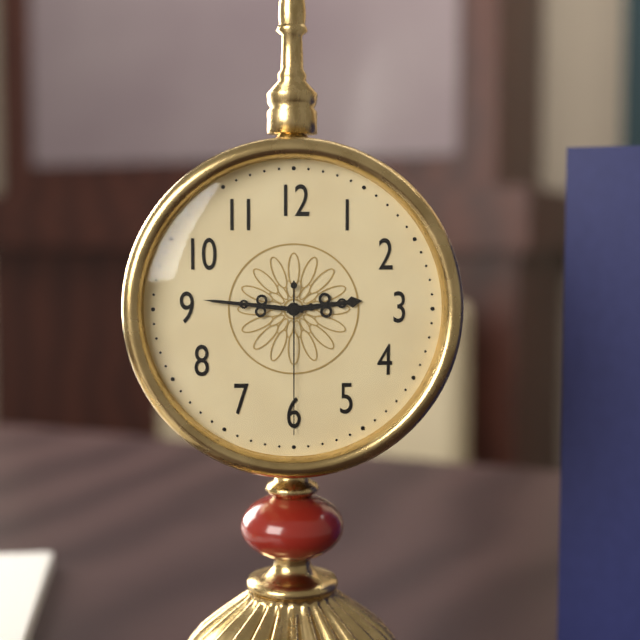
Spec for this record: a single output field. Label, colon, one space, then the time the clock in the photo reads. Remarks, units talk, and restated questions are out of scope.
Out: 2:46:30
